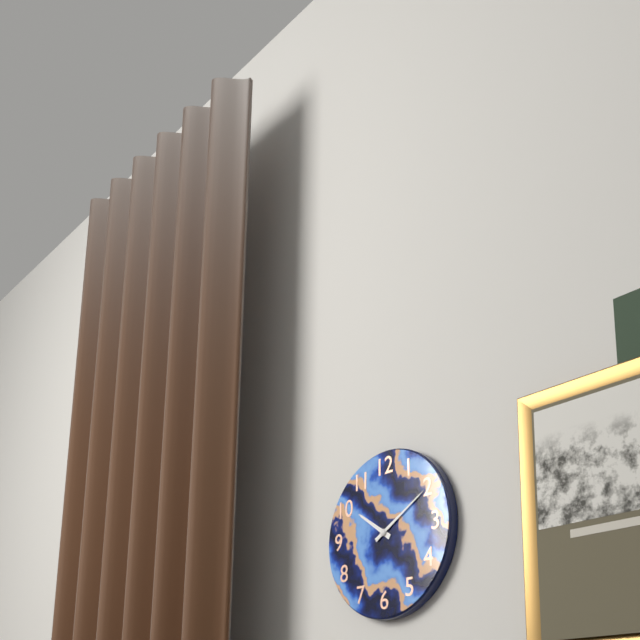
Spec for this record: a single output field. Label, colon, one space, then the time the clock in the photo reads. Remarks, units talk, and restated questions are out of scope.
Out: 10:10
